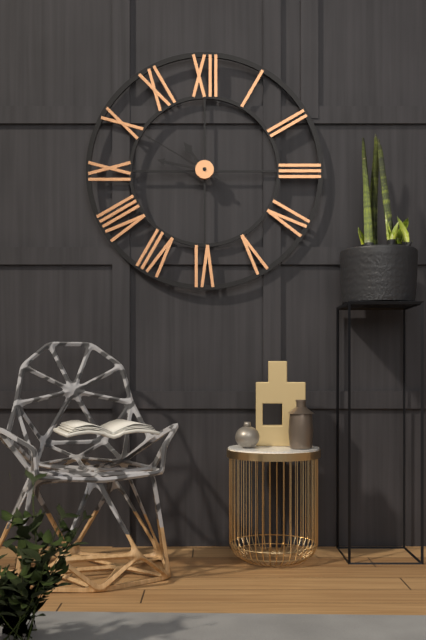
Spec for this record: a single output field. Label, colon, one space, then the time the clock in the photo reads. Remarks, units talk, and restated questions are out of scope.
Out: 10:47:50
